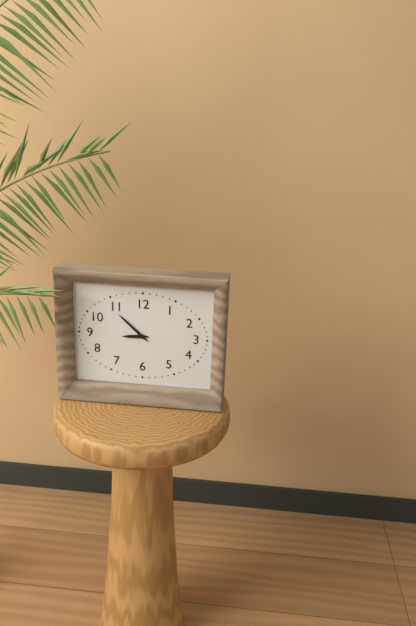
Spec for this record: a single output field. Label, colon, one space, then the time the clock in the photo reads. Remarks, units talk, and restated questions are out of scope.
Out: 8:52
